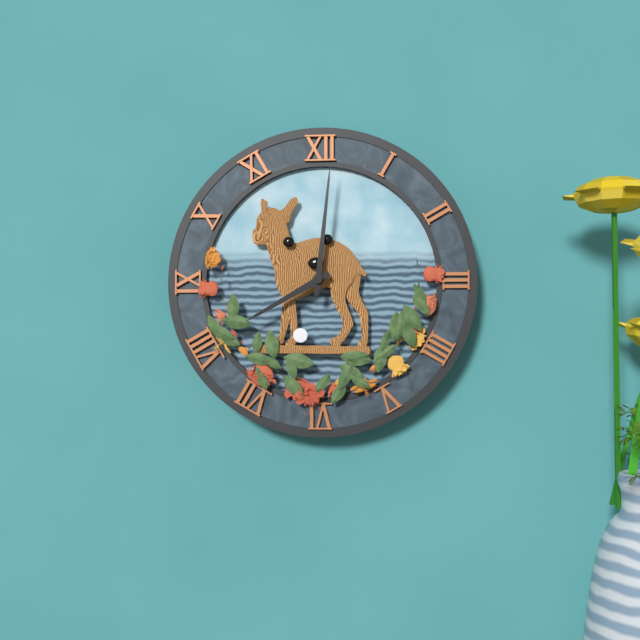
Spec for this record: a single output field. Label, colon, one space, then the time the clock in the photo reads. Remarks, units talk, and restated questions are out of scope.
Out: 8:01
